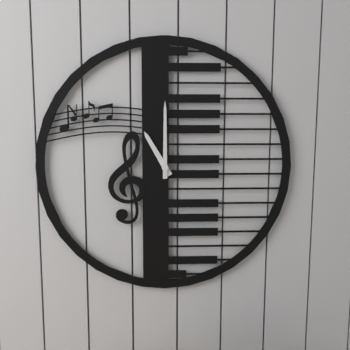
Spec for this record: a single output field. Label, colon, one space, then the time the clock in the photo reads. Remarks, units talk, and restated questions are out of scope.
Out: 11:00
